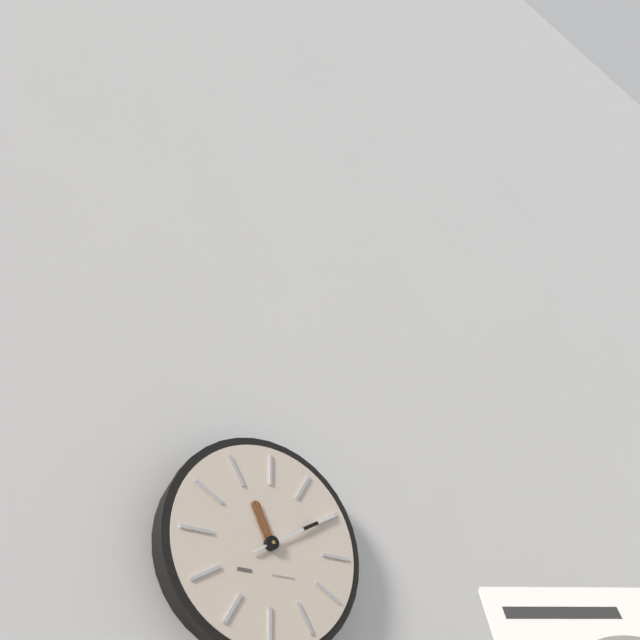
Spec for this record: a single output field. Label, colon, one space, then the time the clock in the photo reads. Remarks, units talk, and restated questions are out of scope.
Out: 11:10
